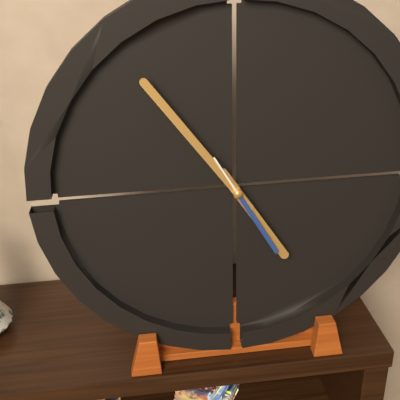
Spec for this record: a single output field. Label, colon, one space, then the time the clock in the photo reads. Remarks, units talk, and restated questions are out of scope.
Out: 4:54:25
